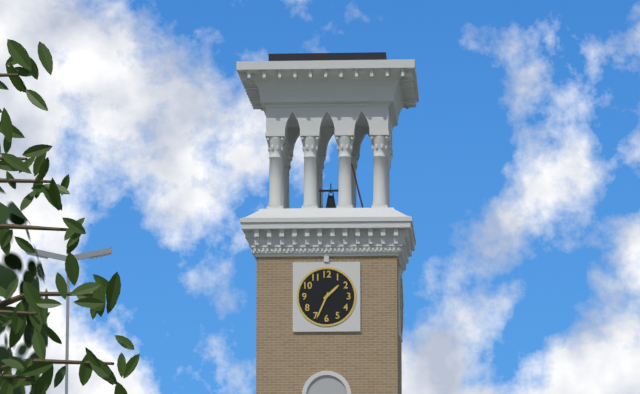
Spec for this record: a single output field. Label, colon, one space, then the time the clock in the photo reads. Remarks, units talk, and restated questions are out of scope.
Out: 1:34
